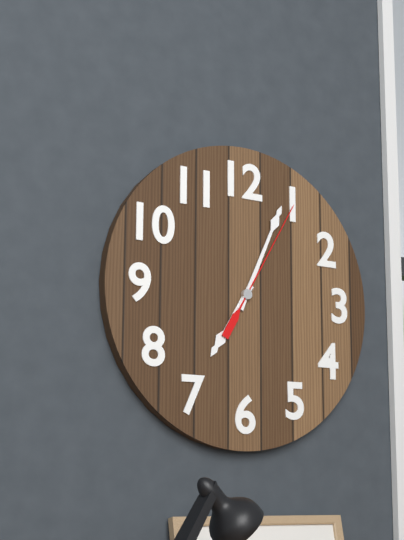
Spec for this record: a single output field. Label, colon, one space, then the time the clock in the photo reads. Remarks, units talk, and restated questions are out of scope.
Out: 7:04:05
